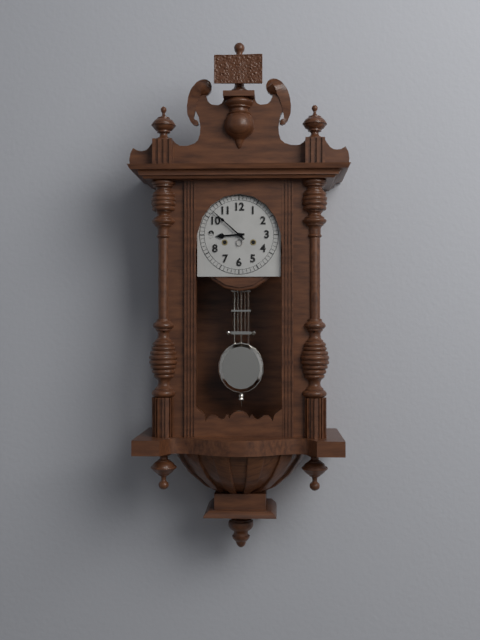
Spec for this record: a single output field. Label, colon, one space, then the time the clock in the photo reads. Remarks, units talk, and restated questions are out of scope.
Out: 8:52
